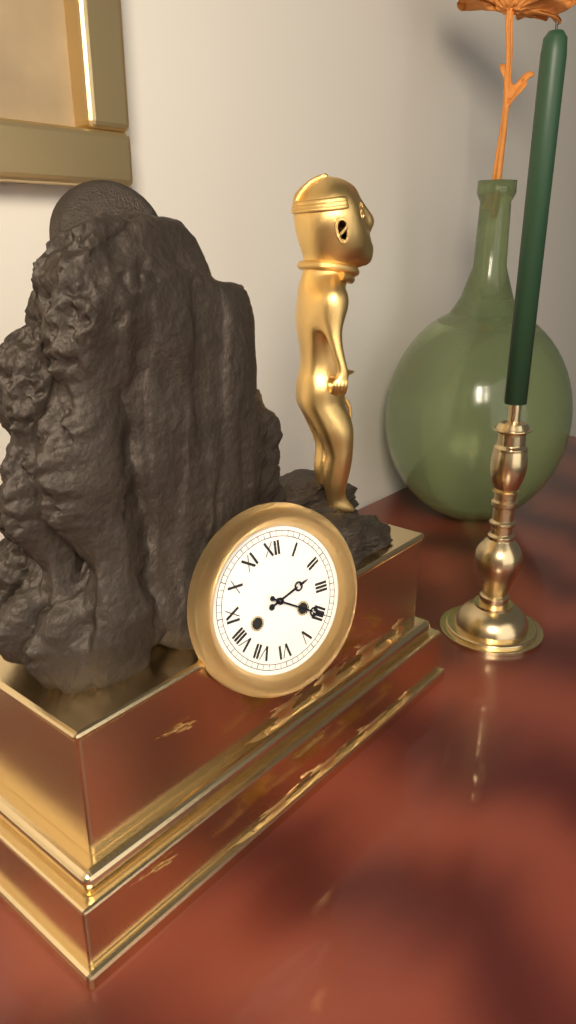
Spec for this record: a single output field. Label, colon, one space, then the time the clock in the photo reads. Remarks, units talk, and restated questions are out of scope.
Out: 2:20
